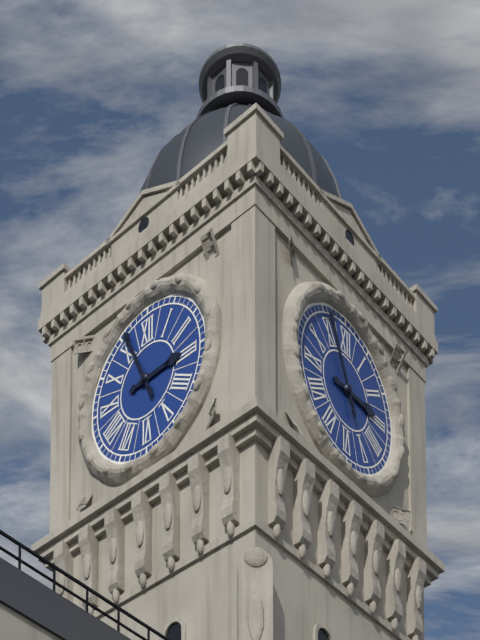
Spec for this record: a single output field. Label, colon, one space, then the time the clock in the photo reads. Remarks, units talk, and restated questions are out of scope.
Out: 2:56
